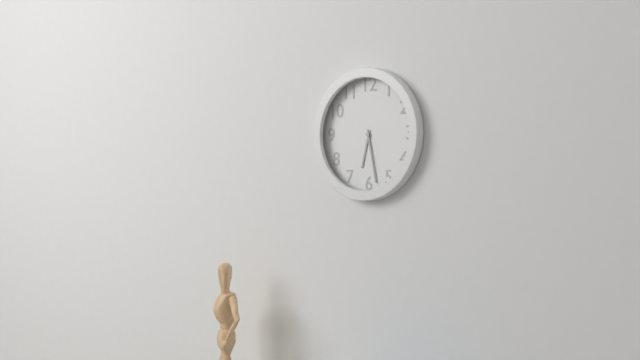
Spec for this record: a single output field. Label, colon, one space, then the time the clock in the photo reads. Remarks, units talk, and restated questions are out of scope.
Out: 6:28
